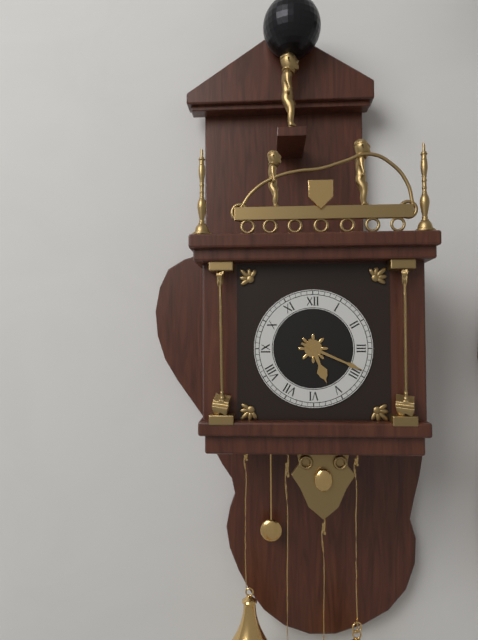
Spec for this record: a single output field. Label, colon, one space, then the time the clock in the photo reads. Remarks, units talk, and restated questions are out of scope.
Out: 5:19
